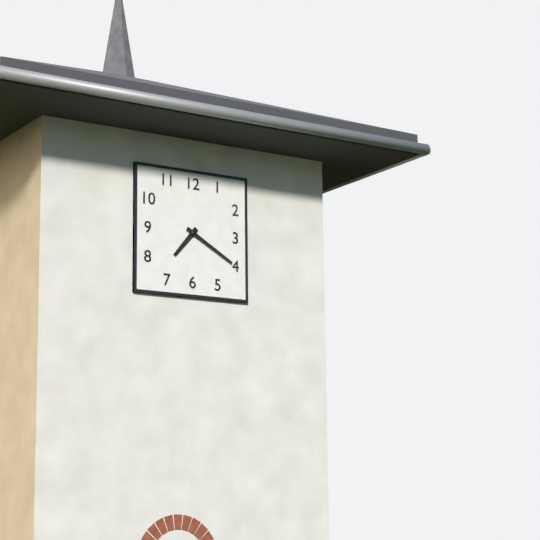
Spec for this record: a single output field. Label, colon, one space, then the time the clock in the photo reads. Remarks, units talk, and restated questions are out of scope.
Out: 7:20
